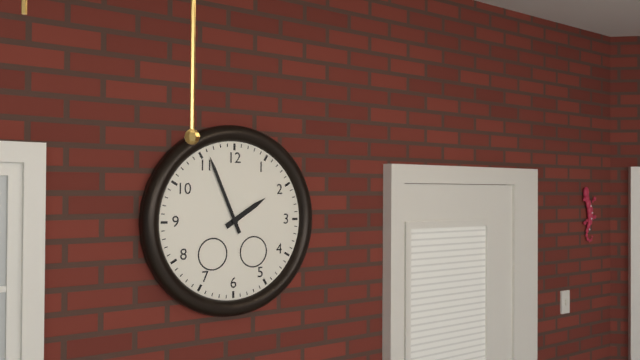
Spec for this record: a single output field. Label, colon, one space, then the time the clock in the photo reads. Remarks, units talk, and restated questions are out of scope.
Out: 1:56
